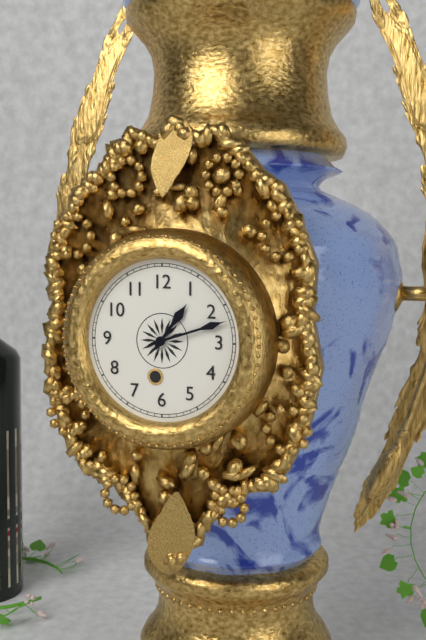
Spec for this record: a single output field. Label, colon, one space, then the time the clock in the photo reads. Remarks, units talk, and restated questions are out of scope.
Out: 1:12
